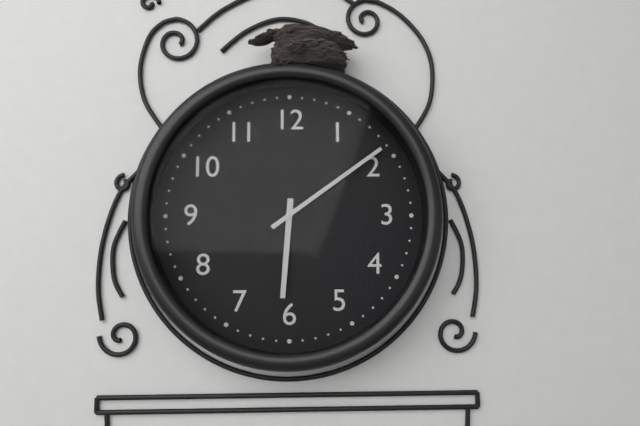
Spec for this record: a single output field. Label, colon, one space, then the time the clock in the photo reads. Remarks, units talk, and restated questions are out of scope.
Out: 6:09
